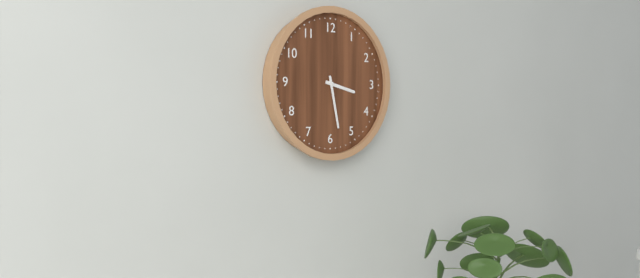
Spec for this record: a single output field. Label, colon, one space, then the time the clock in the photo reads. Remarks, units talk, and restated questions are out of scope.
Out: 3:28
